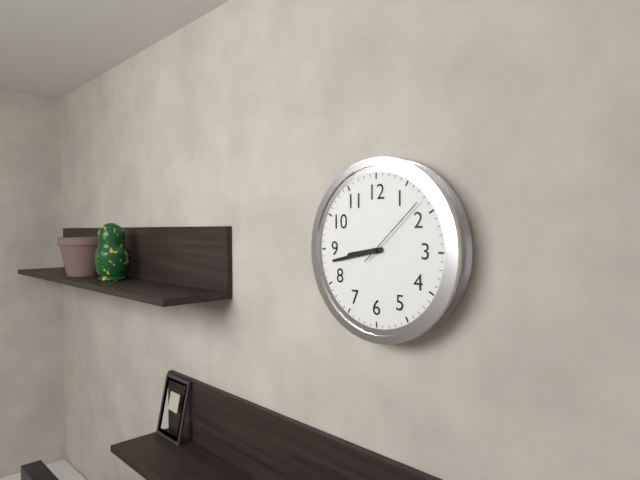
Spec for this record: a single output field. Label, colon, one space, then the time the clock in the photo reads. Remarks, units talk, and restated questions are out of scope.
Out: 8:43:08
